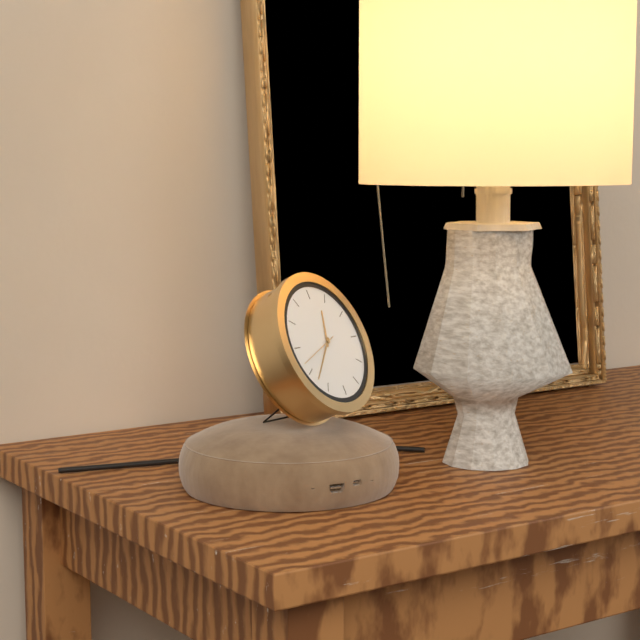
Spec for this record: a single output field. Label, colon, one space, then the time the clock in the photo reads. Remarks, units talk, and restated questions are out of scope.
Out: 12:38
